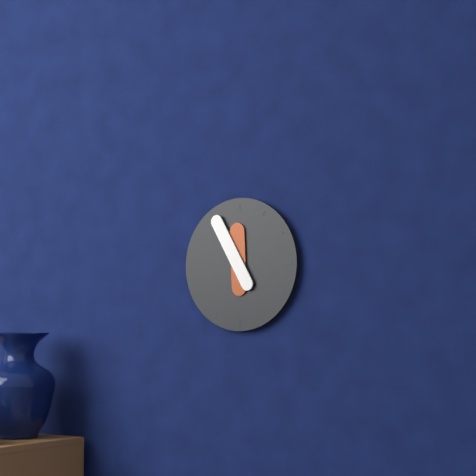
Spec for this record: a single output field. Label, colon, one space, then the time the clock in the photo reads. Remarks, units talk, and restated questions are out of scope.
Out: 11:55
